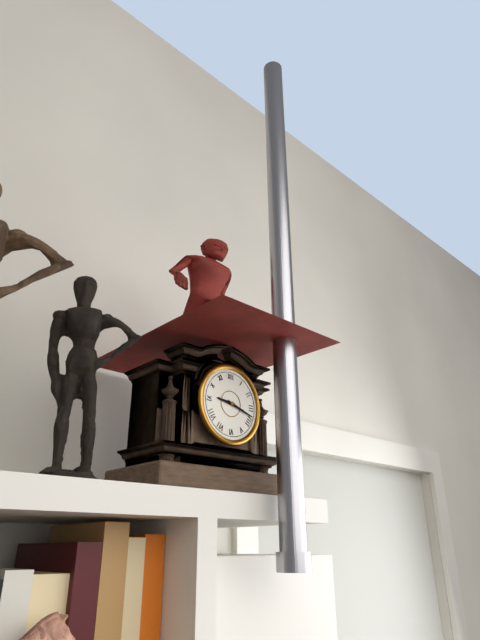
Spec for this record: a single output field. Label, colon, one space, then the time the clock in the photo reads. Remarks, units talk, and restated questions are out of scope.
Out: 9:18
